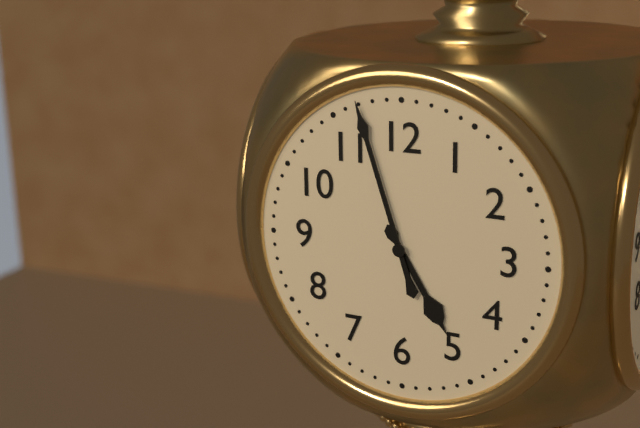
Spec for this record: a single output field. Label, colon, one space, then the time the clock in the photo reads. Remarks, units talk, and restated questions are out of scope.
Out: 4:57
